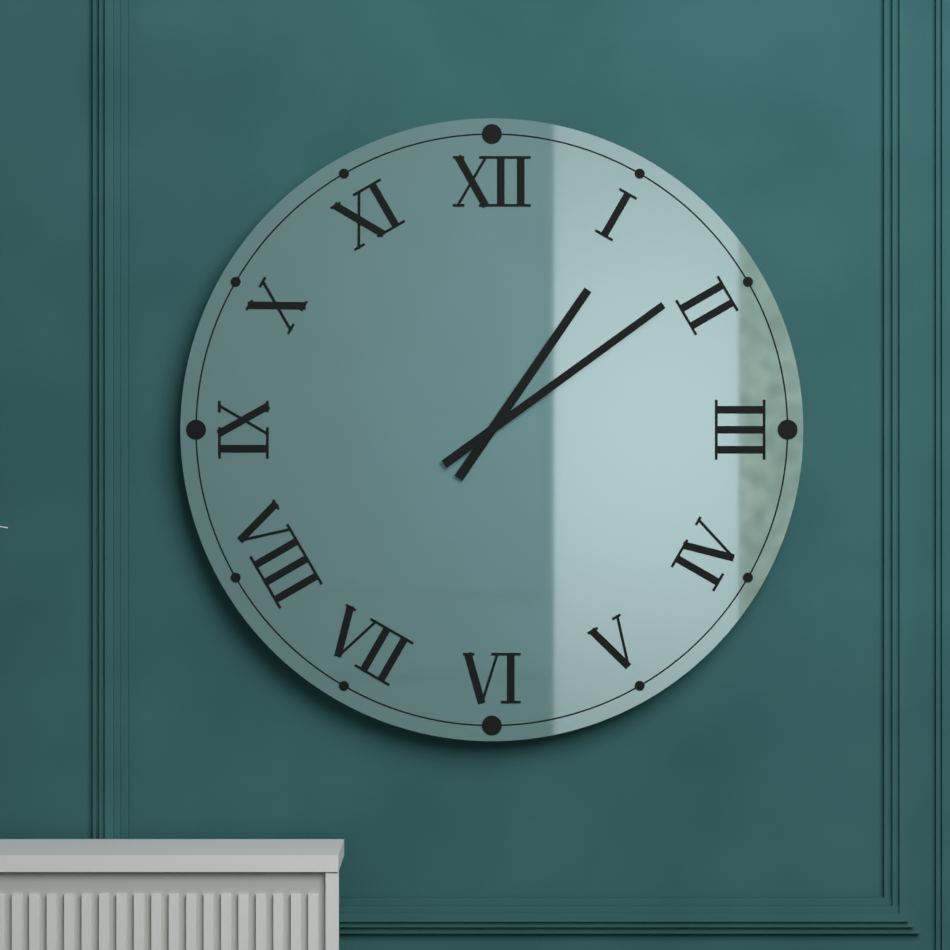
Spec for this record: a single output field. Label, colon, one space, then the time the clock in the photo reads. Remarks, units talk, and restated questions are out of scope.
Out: 1:09
